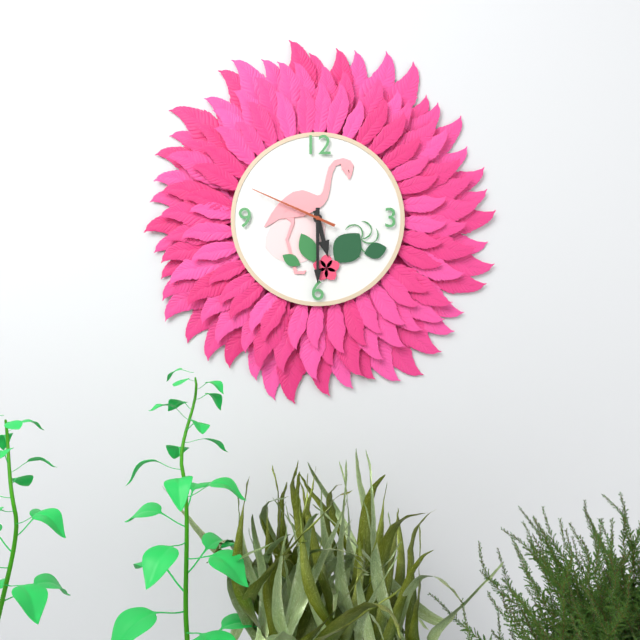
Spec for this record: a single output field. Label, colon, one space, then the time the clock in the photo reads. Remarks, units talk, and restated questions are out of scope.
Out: 5:30:49
